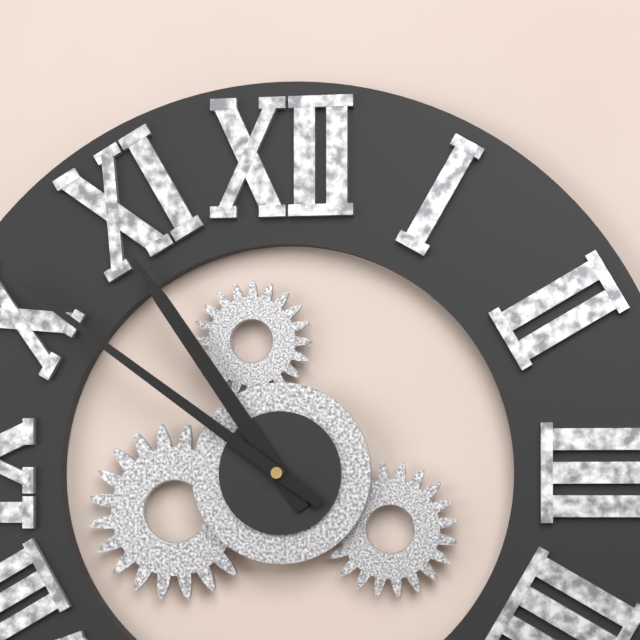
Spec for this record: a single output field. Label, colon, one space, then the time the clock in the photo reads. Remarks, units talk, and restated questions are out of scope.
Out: 10:51
